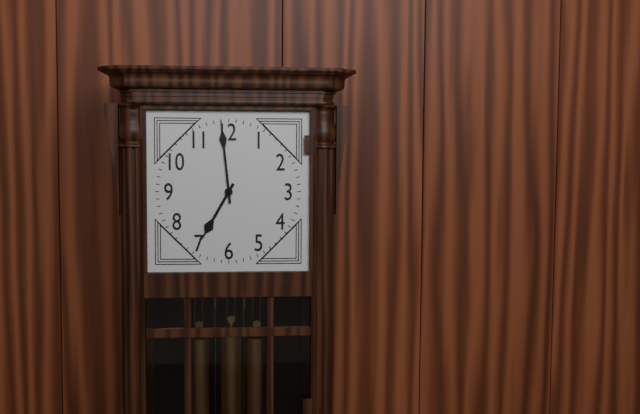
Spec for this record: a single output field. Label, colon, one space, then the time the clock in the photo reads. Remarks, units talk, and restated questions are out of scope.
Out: 6:59
